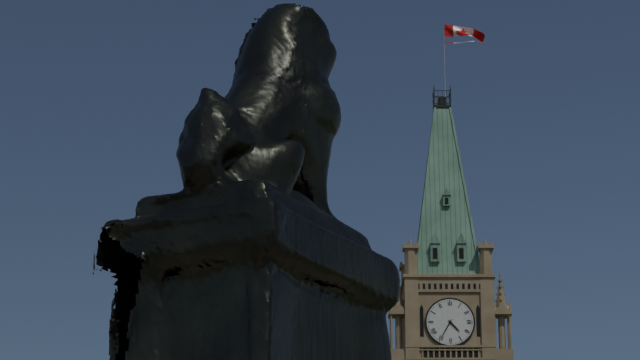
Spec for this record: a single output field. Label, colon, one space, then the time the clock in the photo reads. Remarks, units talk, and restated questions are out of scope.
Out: 4:35
